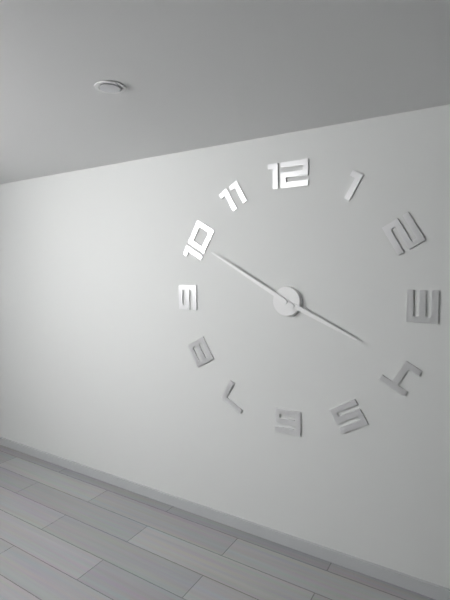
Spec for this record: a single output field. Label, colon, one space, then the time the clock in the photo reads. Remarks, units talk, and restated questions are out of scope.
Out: 3:50
